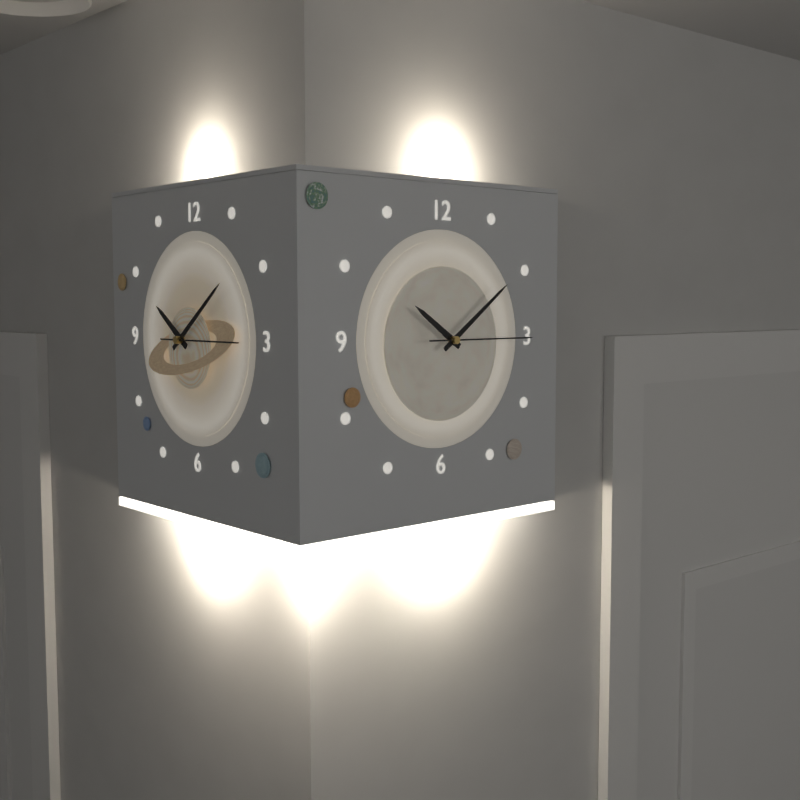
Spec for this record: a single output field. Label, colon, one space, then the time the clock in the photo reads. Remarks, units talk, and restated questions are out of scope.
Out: 10:09:15
